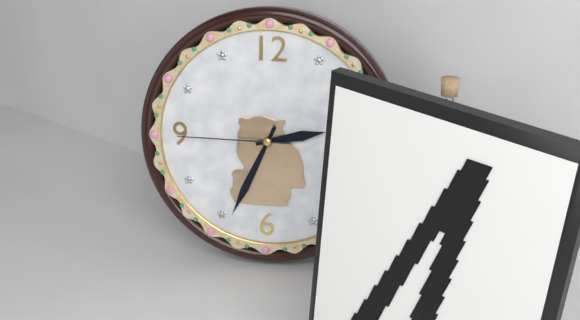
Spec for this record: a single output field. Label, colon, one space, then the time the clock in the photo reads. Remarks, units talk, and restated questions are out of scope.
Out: 2:34:45
